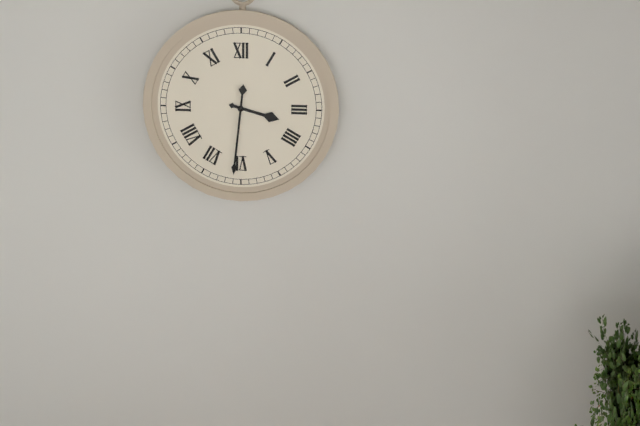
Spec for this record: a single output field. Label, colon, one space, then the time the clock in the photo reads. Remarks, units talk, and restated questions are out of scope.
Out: 3:31
